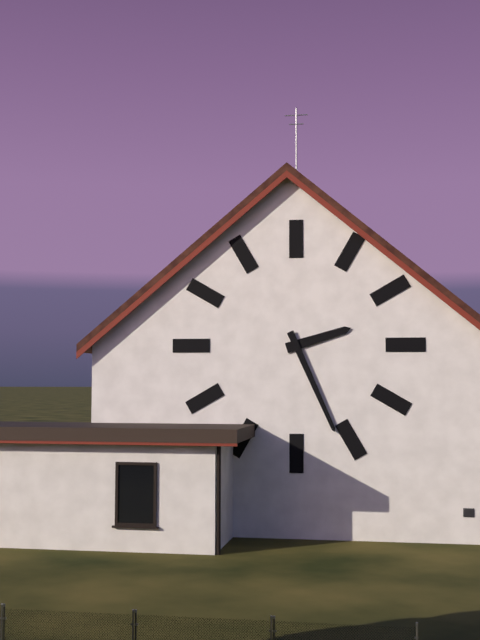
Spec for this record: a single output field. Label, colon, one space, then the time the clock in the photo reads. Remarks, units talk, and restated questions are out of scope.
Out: 2:26
